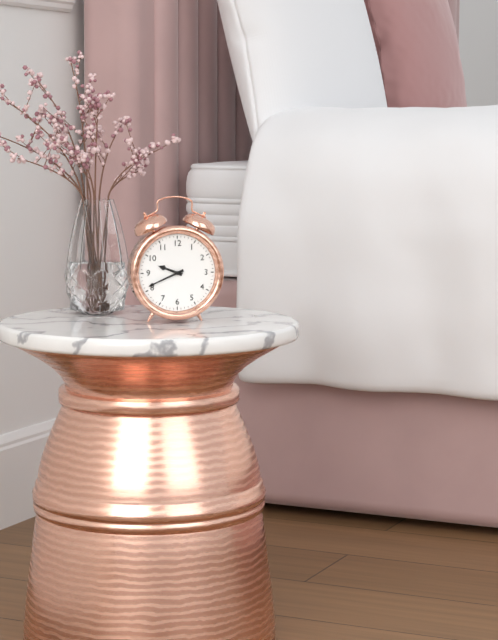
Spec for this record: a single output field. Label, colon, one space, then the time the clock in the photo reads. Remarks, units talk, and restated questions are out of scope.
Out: 9:41
